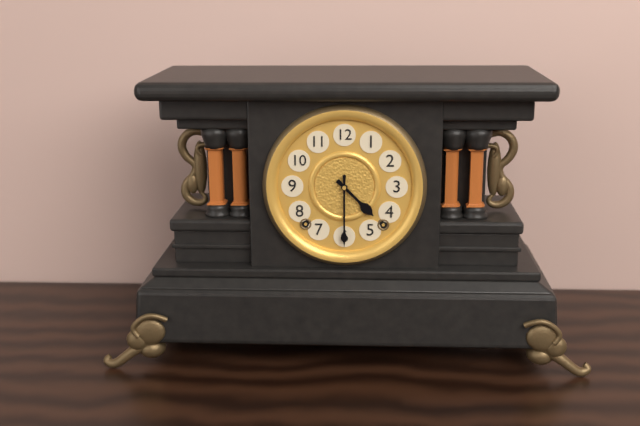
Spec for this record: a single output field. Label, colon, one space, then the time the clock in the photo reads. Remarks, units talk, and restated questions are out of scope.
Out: 4:30
